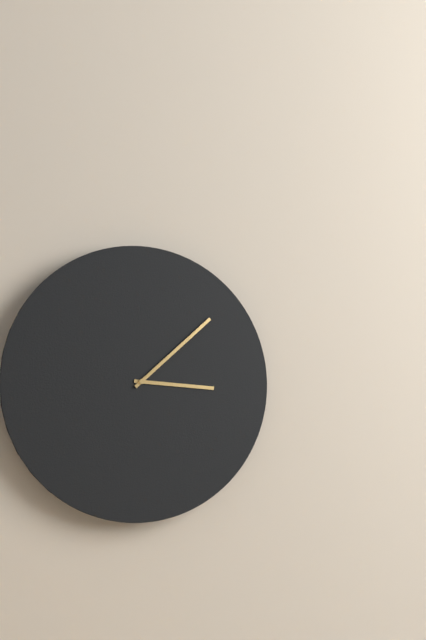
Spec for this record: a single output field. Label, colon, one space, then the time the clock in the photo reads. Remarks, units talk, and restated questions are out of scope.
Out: 3:08
